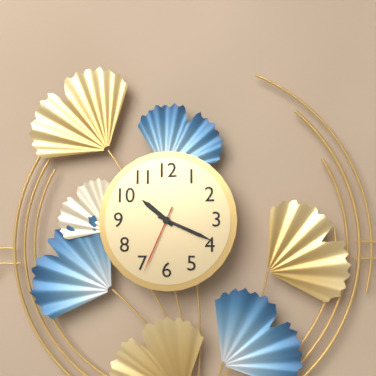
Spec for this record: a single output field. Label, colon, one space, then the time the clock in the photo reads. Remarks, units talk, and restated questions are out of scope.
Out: 10:19:34
